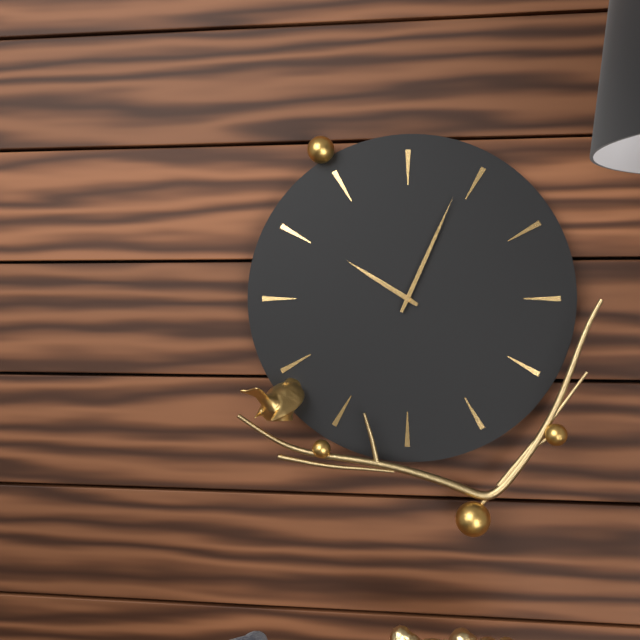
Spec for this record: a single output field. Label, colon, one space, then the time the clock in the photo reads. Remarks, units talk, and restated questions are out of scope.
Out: 10:04
